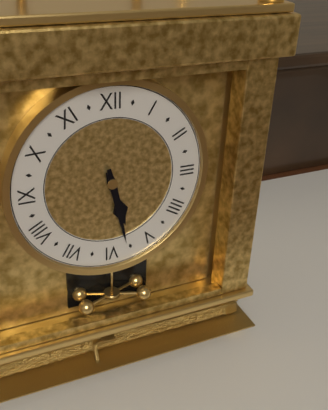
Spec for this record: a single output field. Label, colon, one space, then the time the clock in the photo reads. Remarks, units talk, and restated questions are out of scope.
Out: 5:28
